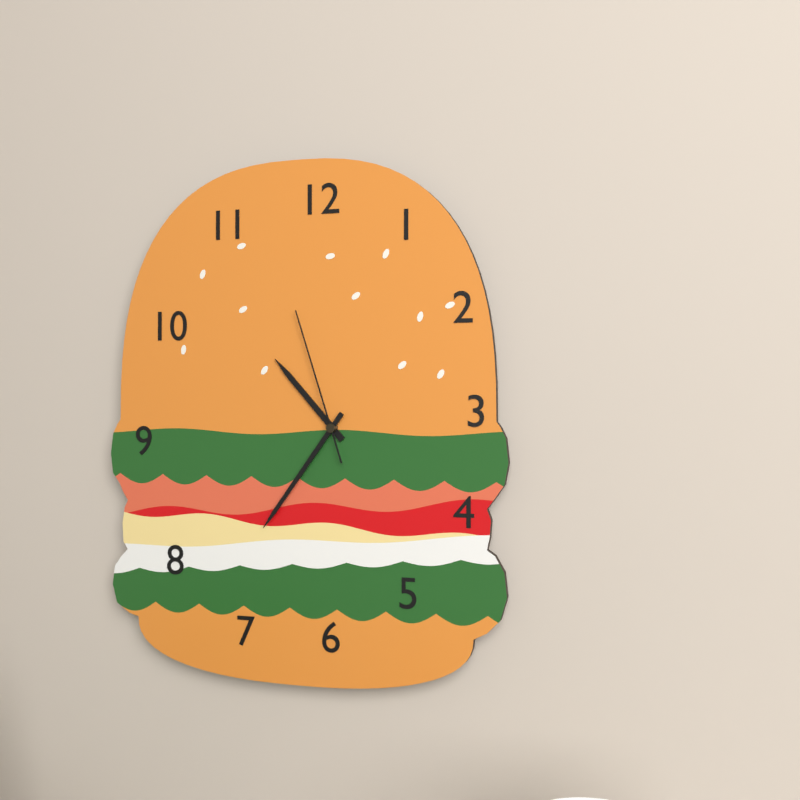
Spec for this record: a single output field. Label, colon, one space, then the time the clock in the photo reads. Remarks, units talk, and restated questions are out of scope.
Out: 10:36:57
